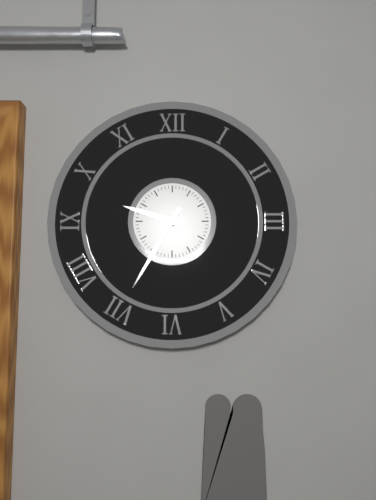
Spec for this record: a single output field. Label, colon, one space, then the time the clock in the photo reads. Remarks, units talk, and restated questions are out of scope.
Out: 9:35
